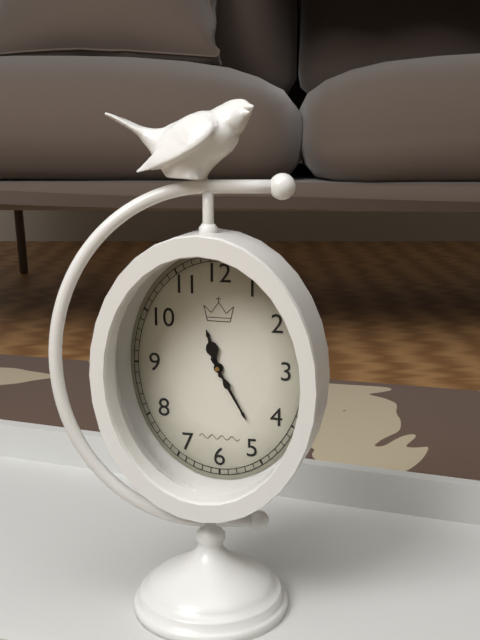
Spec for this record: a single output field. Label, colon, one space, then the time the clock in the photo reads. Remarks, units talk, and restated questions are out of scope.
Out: 11:25
